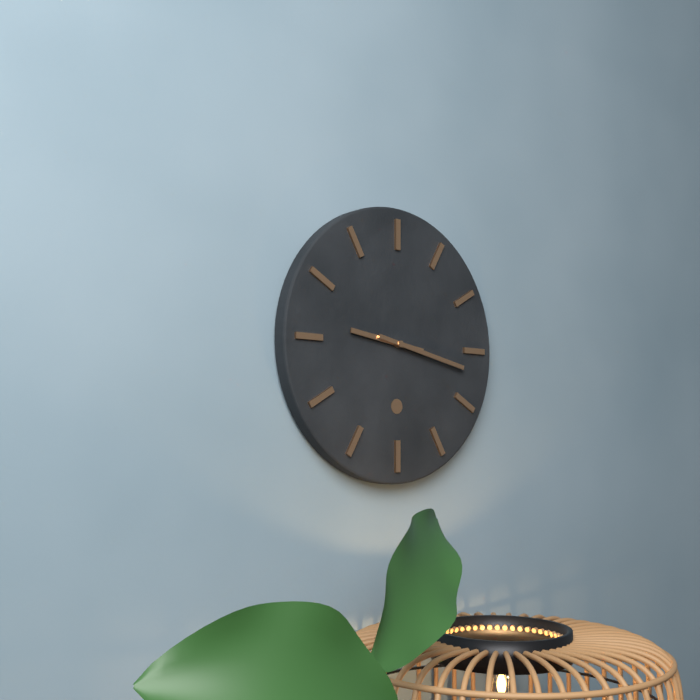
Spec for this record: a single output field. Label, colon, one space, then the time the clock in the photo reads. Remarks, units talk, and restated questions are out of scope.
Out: 9:17
